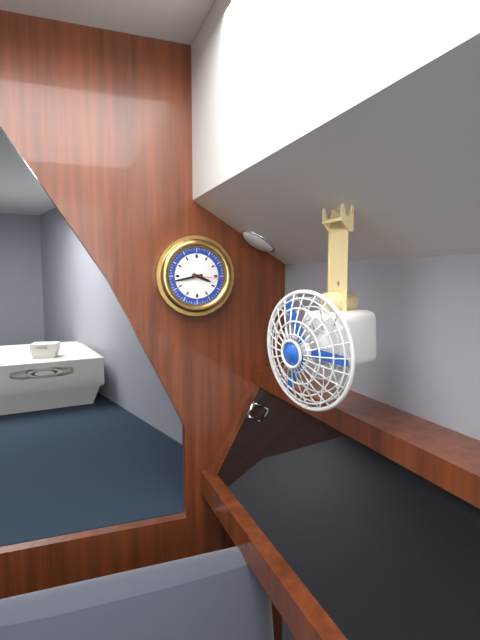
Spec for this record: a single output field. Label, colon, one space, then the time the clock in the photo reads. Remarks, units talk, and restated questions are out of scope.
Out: 3:43
